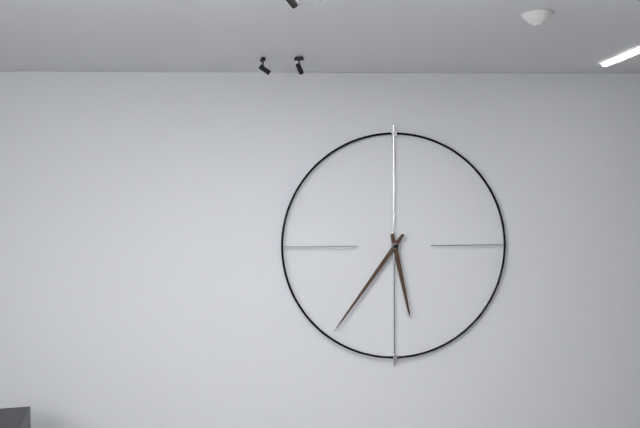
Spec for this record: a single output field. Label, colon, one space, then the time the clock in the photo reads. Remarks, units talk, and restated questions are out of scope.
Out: 5:36
